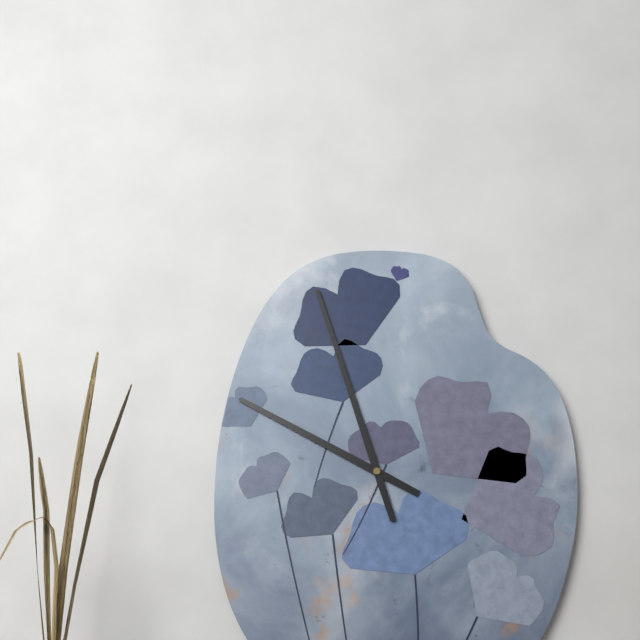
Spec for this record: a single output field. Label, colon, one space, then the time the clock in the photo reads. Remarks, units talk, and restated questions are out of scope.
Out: 9:57
